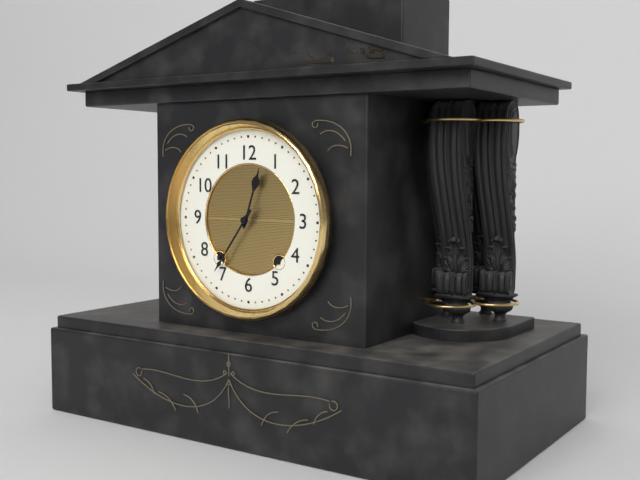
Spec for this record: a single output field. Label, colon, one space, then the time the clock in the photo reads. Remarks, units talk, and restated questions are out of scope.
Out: 12:36
